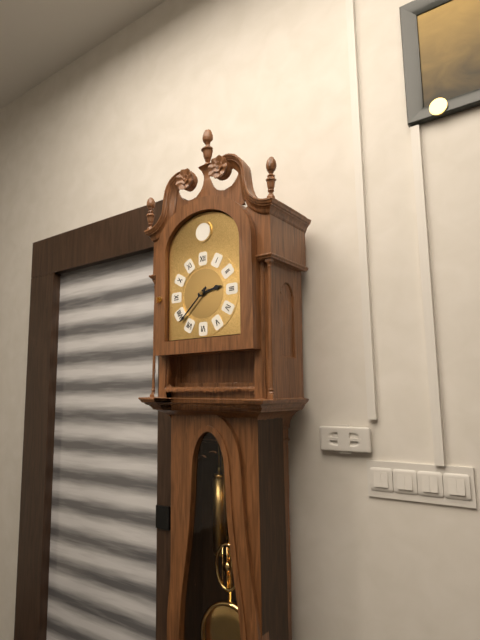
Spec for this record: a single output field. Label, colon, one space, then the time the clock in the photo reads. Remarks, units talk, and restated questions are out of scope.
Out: 2:38
